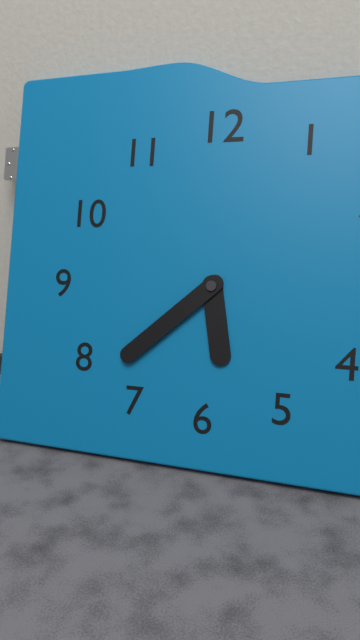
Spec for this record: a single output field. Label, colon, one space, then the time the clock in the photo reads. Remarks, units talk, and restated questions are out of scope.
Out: 5:38
